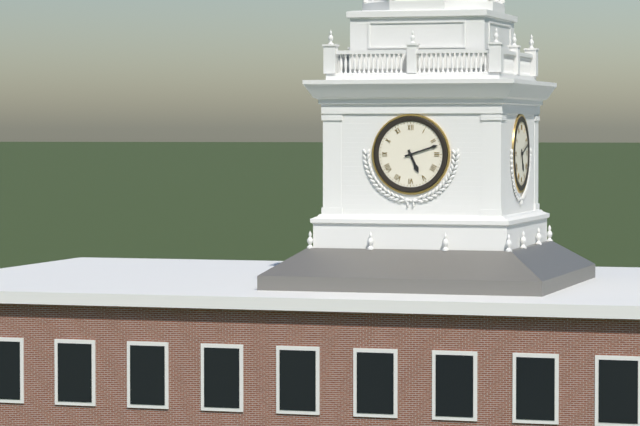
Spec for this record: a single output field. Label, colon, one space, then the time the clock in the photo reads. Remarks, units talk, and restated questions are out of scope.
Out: 5:12
